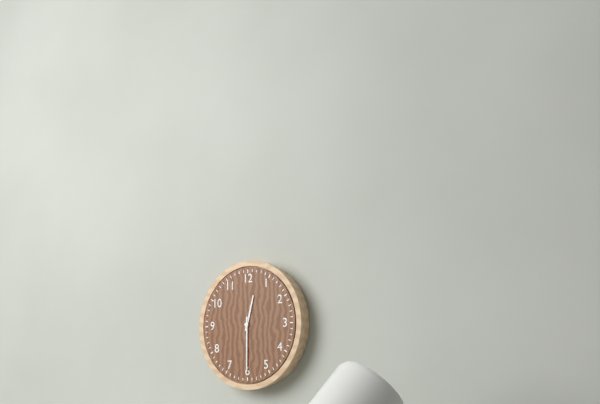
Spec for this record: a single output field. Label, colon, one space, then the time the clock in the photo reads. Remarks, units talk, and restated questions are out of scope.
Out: 12:30
